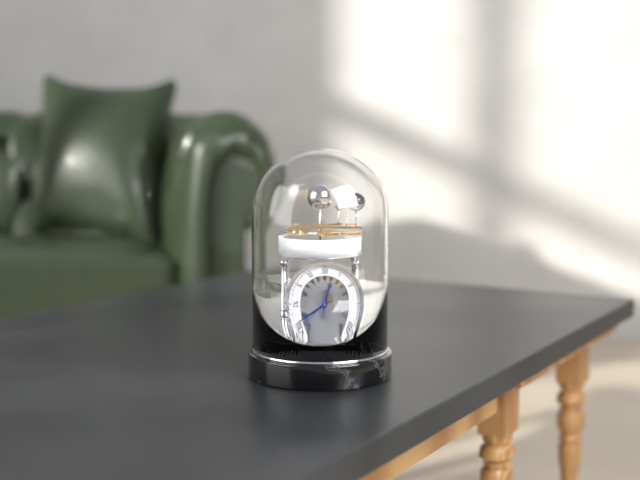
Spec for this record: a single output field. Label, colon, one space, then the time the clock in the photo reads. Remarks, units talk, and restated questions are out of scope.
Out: 12:41
